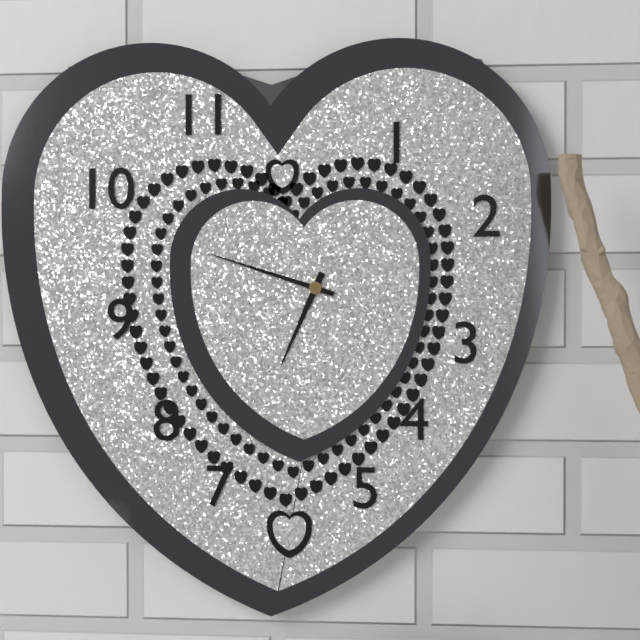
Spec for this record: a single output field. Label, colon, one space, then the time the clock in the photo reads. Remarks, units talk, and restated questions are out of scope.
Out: 6:48
